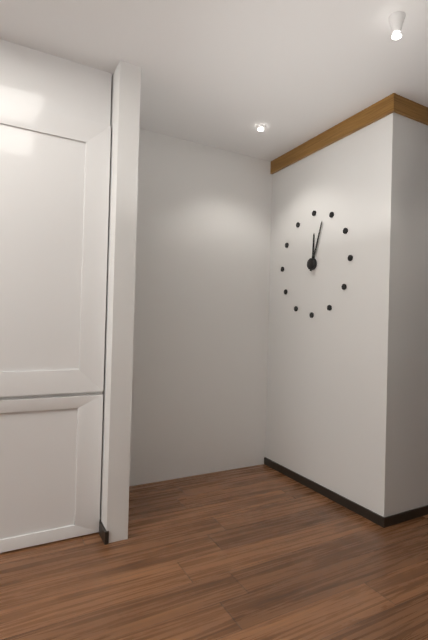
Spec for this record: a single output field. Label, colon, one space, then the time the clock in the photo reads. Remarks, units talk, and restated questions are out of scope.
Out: 12:03
